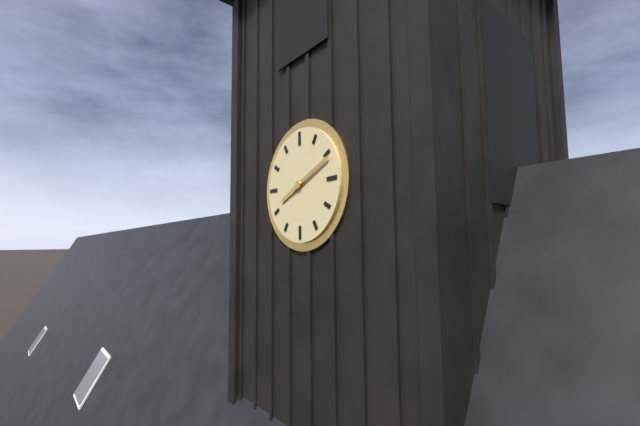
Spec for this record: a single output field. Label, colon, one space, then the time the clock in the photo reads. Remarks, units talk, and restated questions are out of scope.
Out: 8:11
